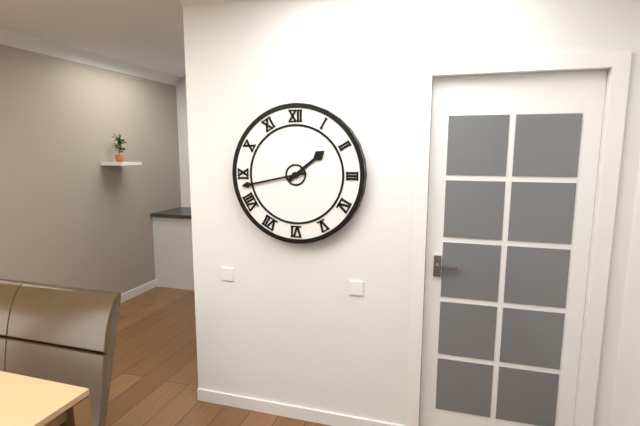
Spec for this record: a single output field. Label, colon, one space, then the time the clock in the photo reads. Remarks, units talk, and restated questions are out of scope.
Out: 1:43
